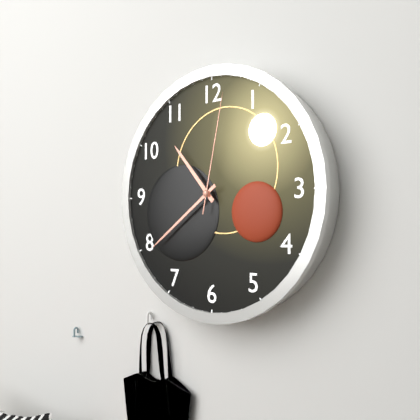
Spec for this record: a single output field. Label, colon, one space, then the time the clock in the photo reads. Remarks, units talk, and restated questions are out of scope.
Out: 10:39:02
